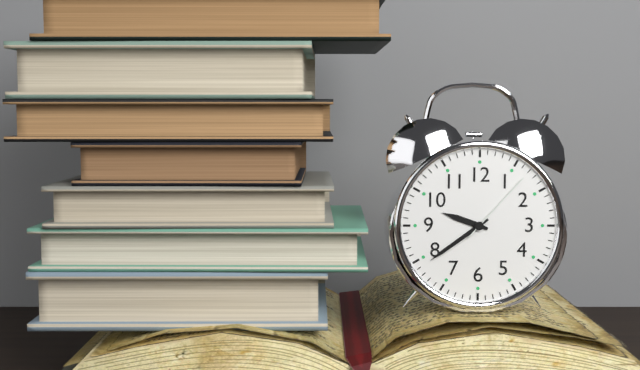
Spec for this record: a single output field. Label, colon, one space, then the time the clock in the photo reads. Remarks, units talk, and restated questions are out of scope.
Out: 9:39:07
